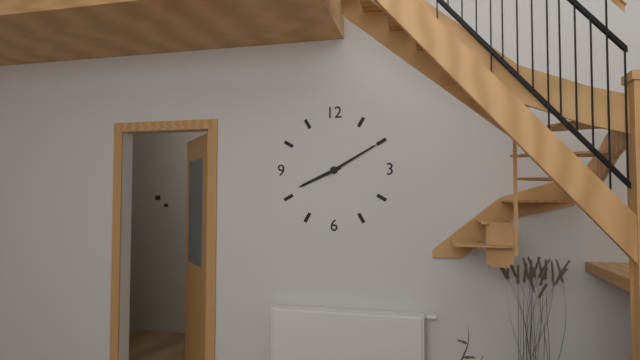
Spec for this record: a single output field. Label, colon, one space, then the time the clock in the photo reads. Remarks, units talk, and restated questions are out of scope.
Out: 8:10
